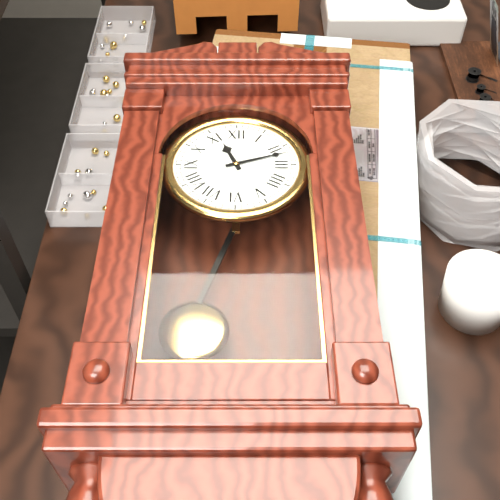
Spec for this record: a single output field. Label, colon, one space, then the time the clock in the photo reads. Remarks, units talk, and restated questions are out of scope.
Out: 11:12
